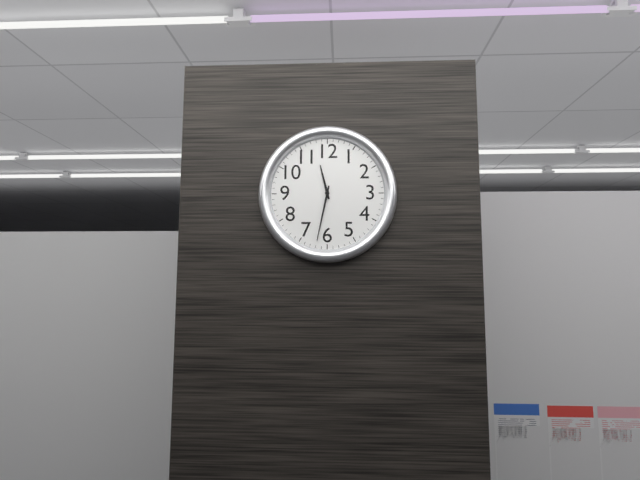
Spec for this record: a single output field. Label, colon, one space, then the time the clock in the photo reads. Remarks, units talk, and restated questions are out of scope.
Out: 11:32
